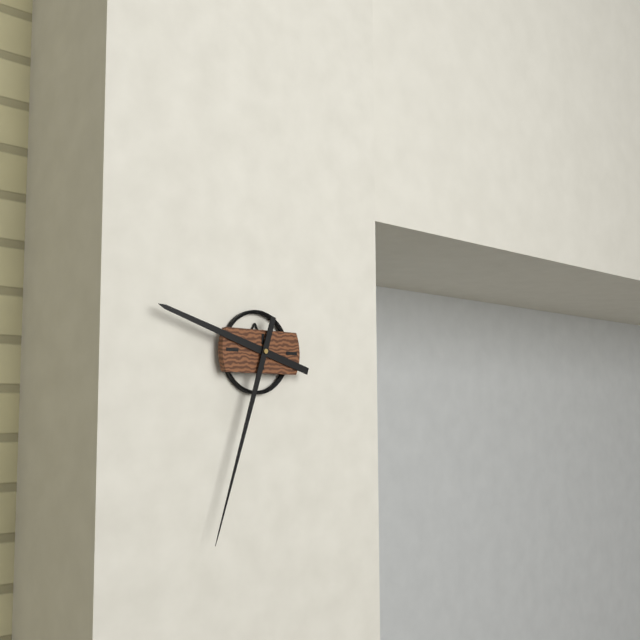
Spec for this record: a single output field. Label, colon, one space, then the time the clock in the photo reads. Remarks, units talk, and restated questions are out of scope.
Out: 9:33
